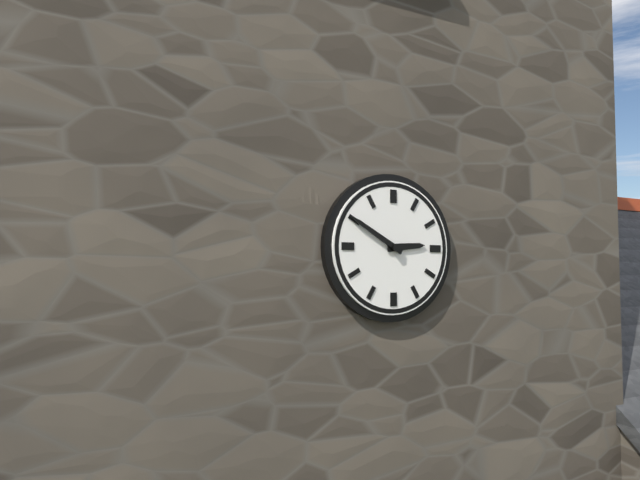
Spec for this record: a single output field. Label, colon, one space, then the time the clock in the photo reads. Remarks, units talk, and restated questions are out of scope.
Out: 2:50
